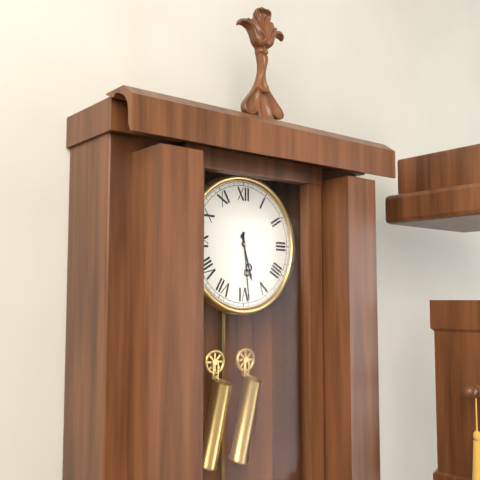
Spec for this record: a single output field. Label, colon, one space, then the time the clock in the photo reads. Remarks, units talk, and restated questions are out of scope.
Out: 5:29
